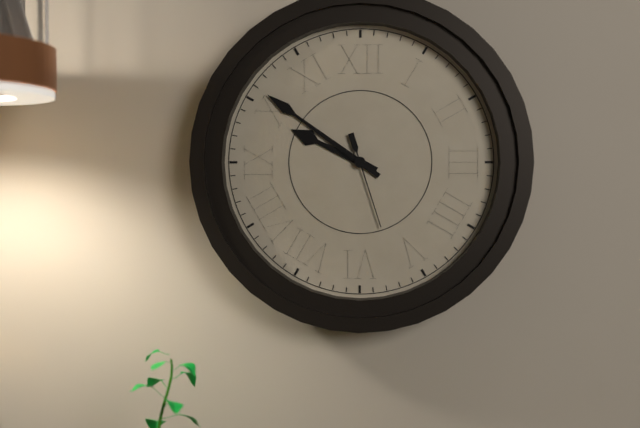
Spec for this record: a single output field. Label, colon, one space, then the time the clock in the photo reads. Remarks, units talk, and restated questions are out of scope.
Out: 9:51:27
